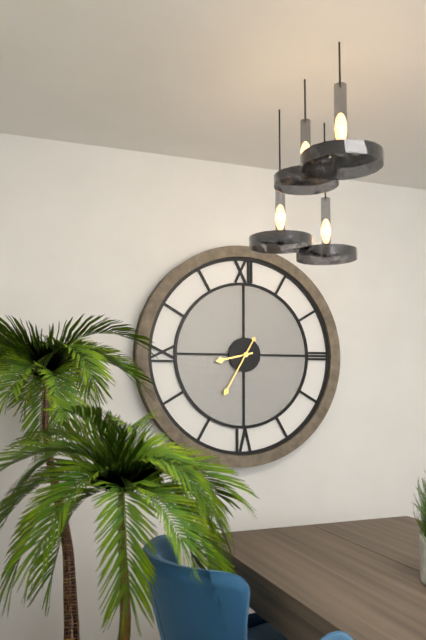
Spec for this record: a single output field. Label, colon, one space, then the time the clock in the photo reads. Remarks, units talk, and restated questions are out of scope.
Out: 8:35
